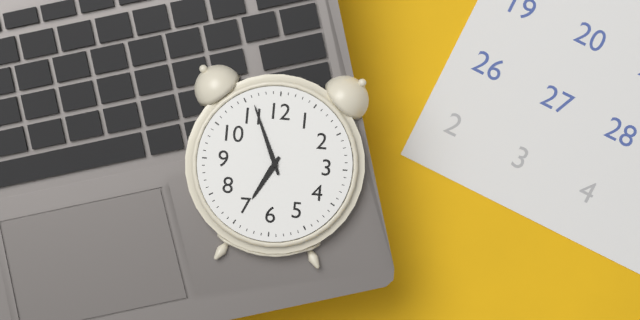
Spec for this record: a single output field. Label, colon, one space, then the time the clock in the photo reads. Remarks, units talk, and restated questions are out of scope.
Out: 6:56
